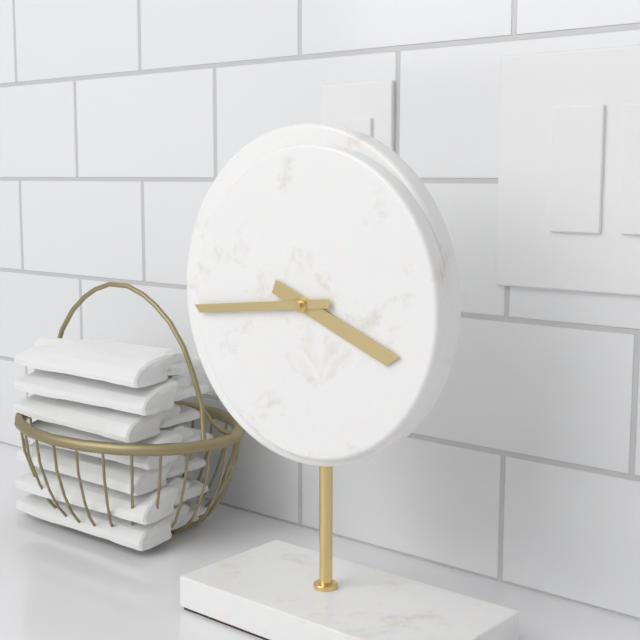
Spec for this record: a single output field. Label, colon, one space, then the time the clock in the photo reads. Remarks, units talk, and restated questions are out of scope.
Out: 3:44
